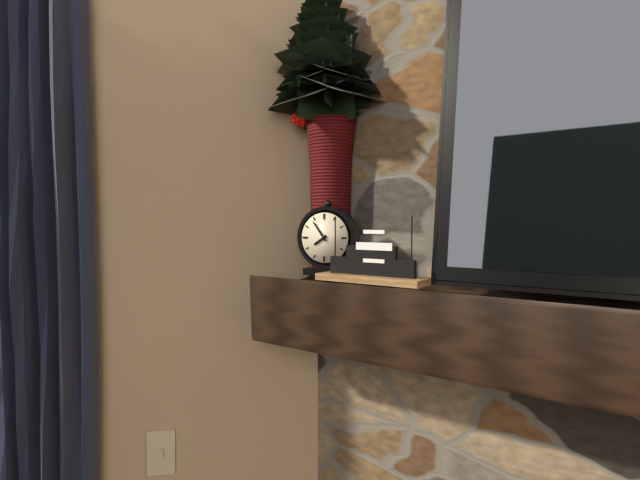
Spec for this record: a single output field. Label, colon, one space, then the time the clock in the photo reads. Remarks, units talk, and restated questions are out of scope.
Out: 7:54
